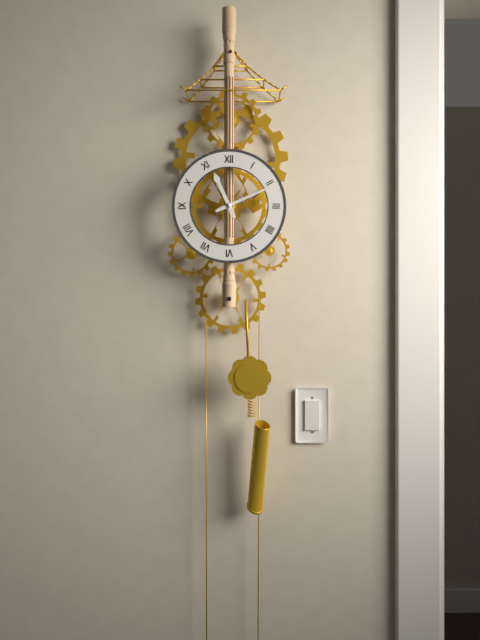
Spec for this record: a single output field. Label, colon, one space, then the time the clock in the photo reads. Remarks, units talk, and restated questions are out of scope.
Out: 11:11
